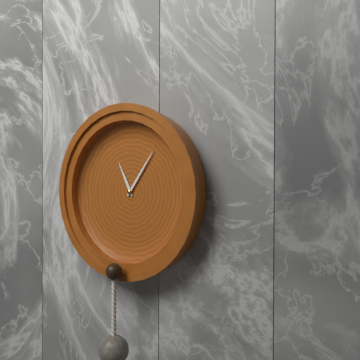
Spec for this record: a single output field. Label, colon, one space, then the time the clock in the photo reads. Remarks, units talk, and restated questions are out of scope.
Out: 11:06
